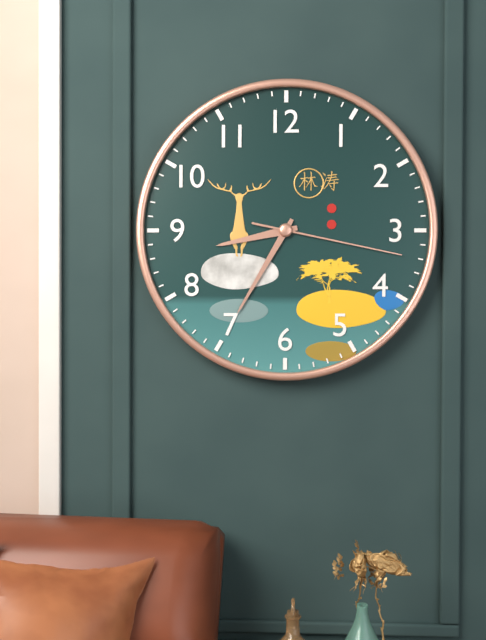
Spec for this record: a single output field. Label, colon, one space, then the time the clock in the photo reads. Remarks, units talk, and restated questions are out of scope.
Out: 8:35:17
